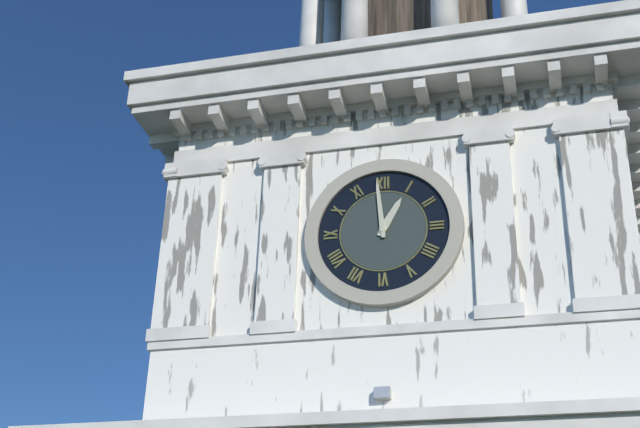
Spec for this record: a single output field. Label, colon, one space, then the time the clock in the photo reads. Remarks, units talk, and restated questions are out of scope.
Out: 12:59
